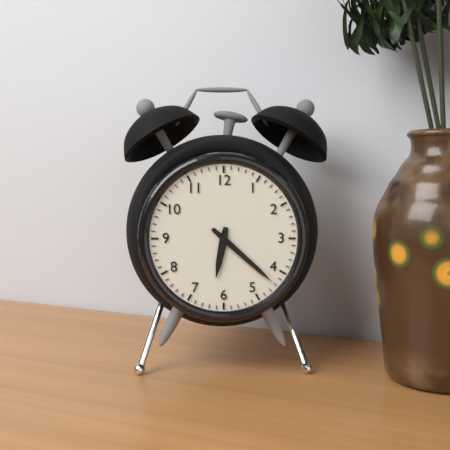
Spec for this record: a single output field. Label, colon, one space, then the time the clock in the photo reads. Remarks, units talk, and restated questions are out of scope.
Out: 6:22
